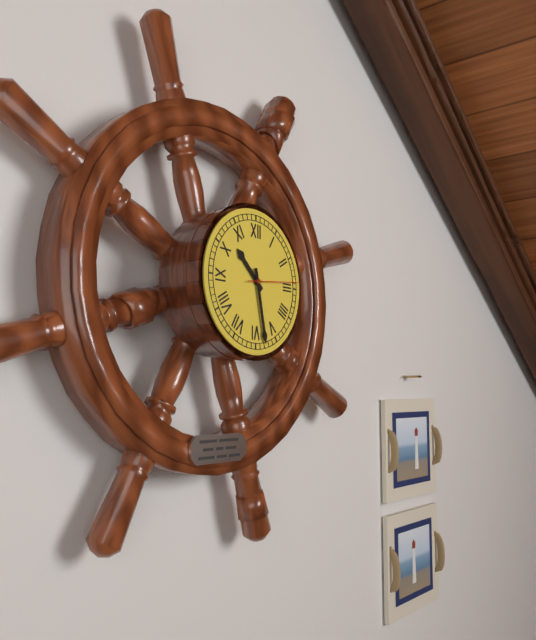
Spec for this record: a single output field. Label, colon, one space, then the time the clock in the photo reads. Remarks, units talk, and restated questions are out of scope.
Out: 10:28
